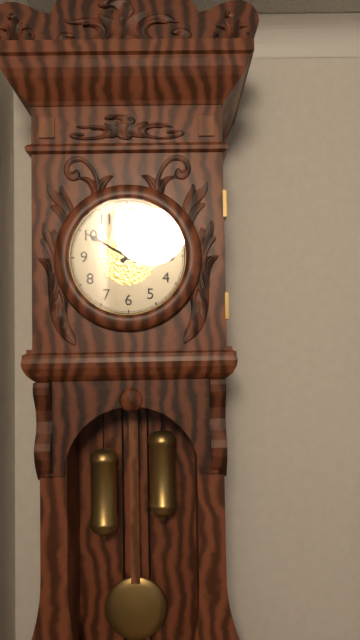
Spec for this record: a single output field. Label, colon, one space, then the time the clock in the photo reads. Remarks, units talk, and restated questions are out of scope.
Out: 1:50
